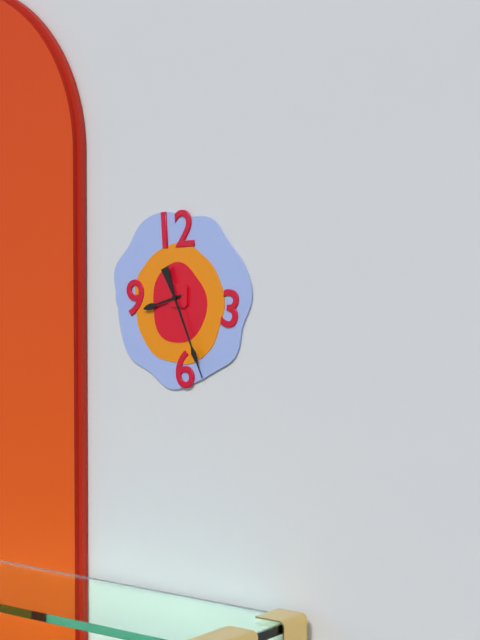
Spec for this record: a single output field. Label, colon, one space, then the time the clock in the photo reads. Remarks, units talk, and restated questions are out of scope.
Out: 8:26
